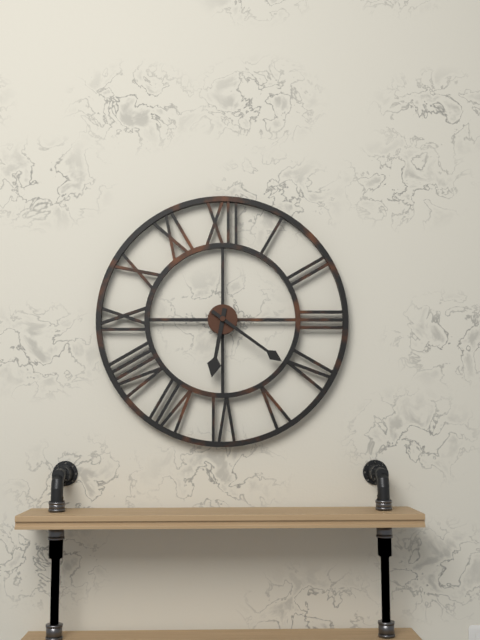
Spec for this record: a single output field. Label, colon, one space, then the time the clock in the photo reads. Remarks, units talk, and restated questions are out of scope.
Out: 6:21
